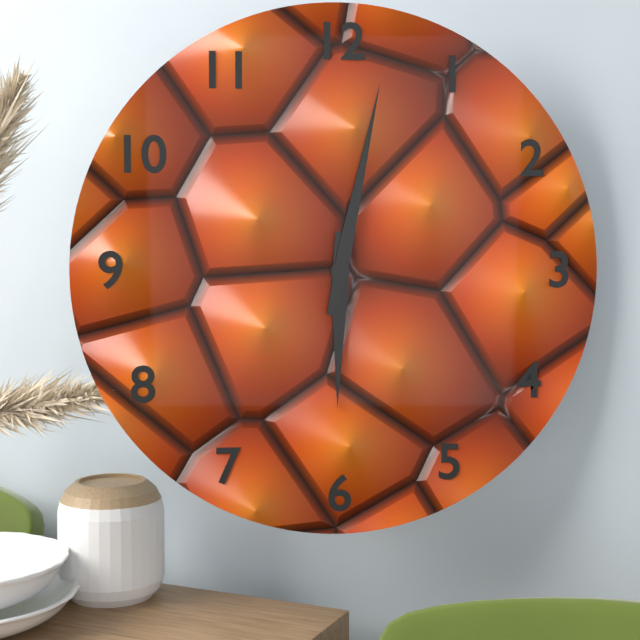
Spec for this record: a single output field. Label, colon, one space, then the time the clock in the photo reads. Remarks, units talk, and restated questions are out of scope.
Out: 6:02
